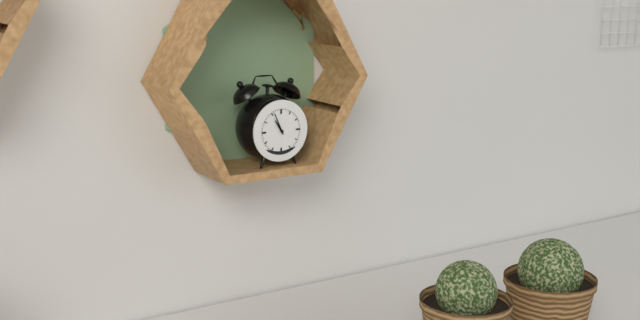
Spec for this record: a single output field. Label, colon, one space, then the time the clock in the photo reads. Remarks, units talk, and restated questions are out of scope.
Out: 10:56
